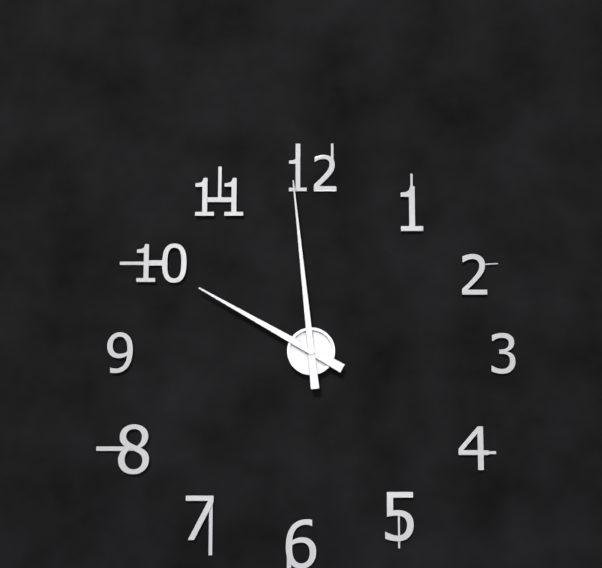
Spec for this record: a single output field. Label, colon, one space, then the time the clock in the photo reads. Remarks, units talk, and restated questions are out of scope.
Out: 9:59
